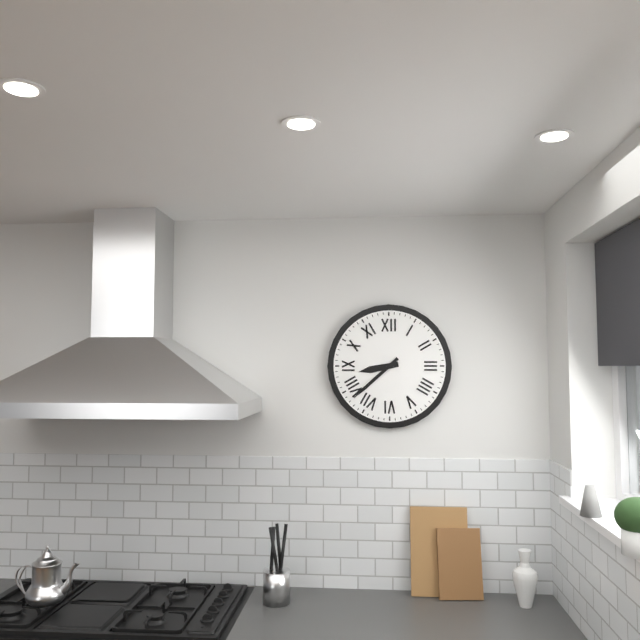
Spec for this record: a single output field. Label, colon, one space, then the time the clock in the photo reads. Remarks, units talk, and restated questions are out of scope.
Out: 8:38
